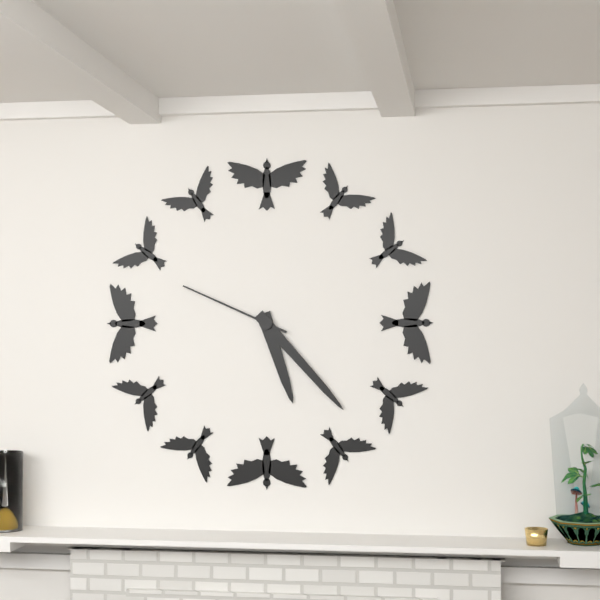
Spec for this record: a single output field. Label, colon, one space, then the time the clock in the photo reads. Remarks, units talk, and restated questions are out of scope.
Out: 5:23:49
